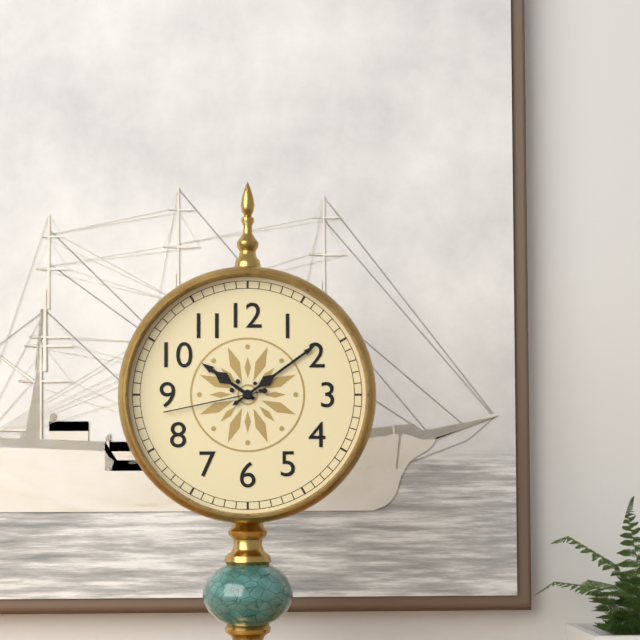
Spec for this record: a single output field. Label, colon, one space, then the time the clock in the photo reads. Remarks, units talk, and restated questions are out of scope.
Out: 10:09:43
